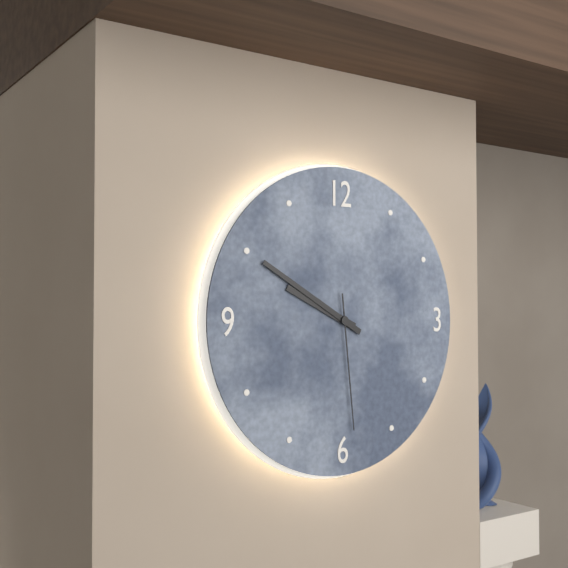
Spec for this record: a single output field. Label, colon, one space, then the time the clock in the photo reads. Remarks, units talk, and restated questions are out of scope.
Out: 9:50:29
